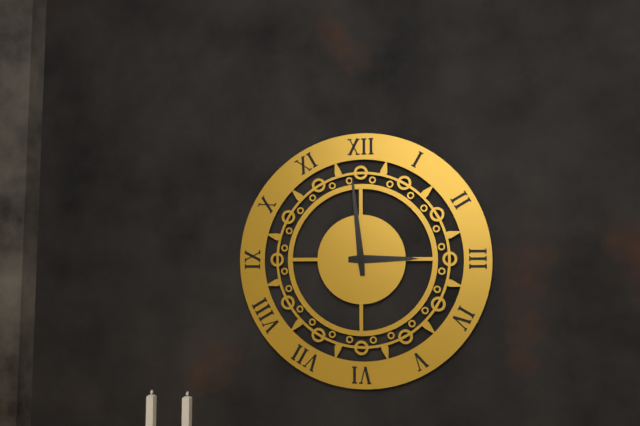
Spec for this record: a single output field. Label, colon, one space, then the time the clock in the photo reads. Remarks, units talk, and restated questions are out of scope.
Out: 2:59
